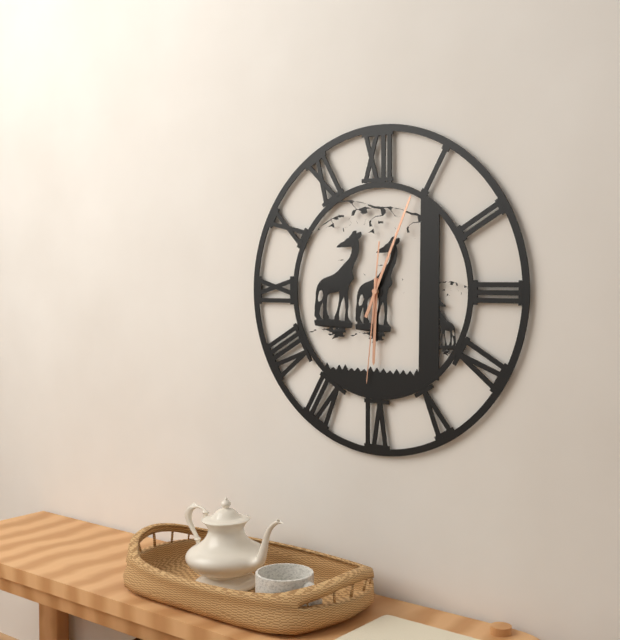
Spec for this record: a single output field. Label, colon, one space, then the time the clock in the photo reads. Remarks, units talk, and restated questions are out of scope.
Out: 6:04:31
